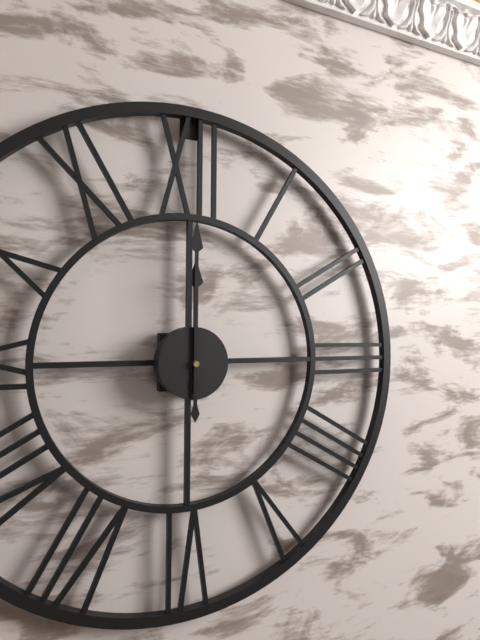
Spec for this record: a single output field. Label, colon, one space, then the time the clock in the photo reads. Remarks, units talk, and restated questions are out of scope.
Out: 12:00
